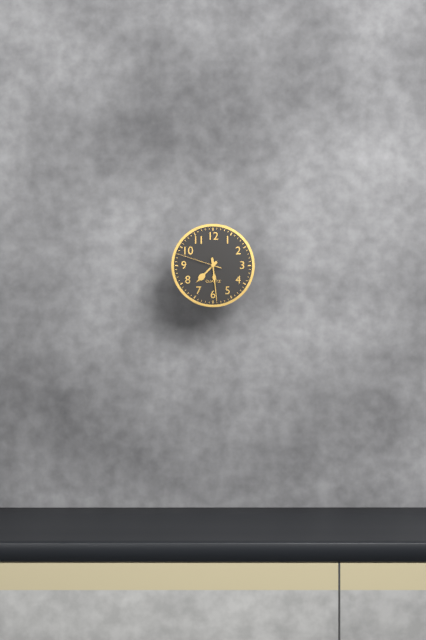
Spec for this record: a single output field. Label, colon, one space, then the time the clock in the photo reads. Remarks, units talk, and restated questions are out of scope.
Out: 7:29
